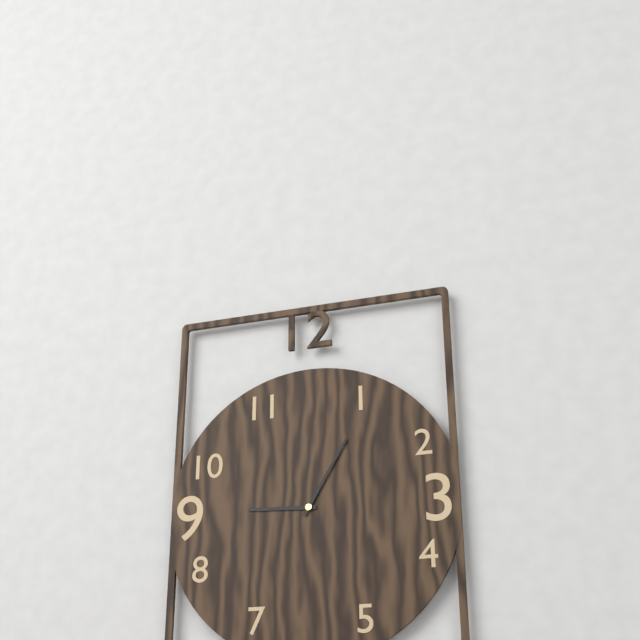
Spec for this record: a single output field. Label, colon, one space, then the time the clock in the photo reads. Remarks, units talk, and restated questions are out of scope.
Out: 9:05
